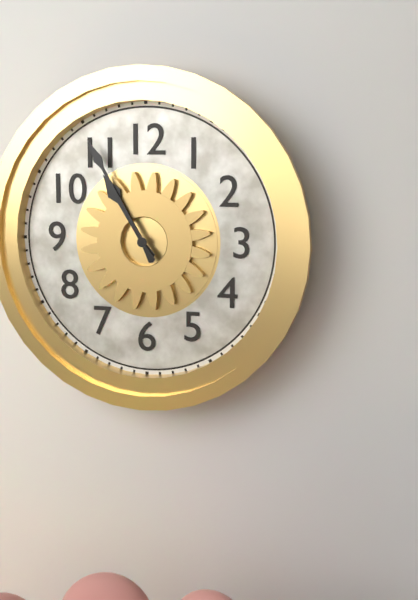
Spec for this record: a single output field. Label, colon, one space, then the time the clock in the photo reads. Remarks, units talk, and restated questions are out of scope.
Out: 10:55
